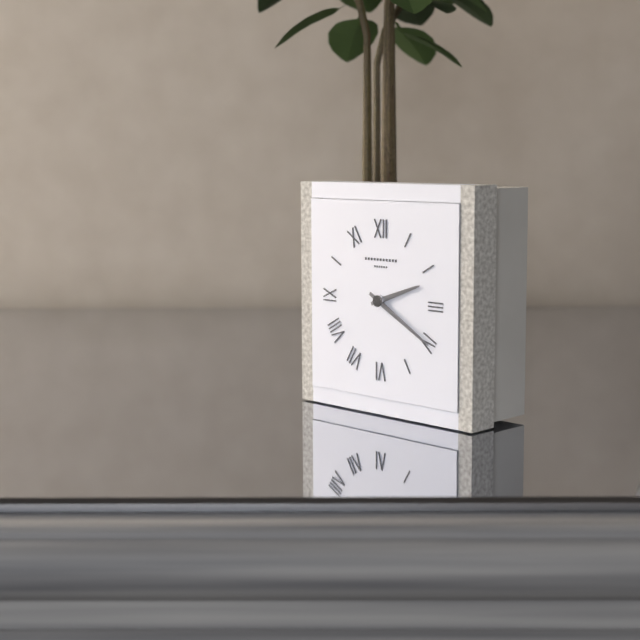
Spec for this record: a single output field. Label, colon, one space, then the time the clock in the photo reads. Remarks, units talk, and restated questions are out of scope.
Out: 2:20
